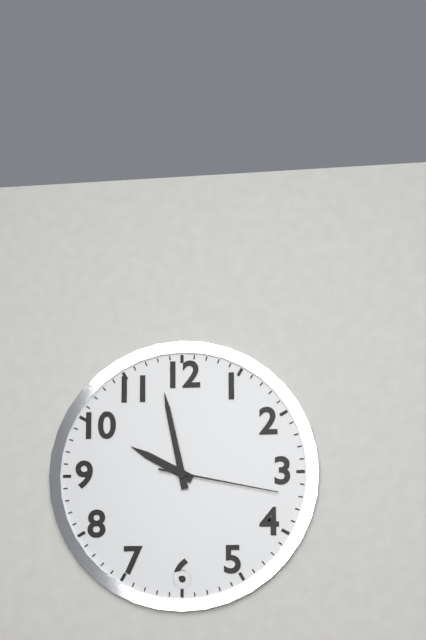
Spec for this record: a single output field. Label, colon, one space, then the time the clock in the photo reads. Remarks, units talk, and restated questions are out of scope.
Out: 9:58:17
